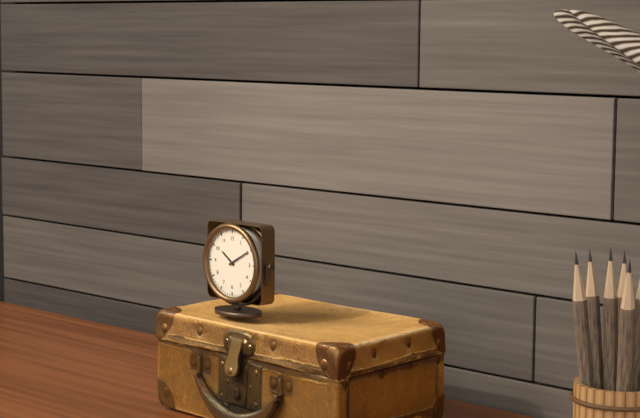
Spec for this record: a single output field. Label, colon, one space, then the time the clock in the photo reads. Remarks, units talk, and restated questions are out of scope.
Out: 10:10
